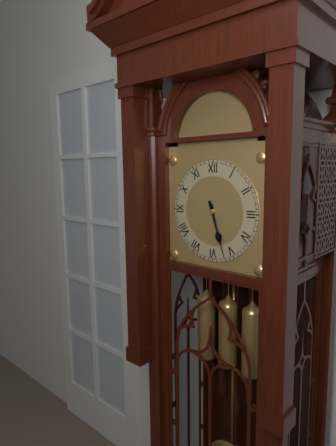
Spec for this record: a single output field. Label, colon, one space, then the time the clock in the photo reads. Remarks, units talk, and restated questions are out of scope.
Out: 5:27
